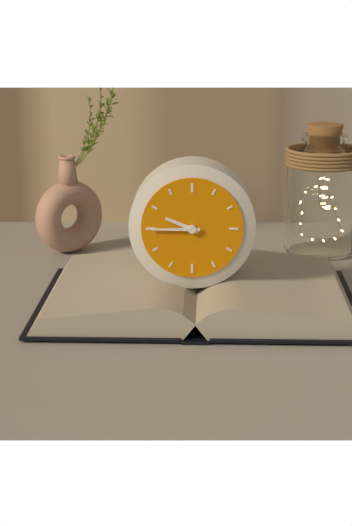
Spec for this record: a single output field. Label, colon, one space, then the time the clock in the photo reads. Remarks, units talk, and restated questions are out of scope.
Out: 9:45
